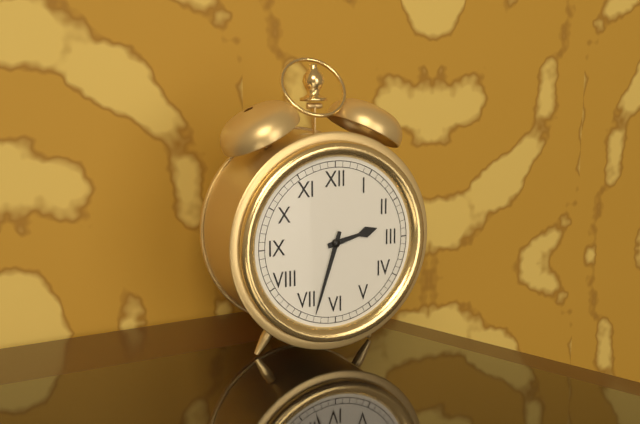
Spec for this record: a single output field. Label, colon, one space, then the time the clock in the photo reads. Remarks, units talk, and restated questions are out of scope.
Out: 2:33
